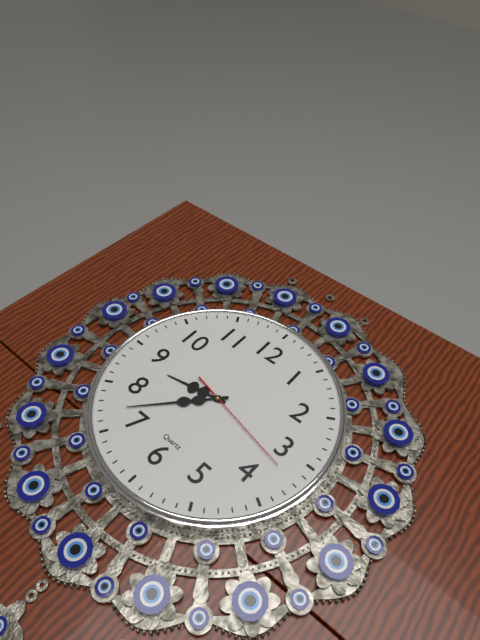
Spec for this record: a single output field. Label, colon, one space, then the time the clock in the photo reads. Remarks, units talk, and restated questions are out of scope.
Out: 8:37:17
